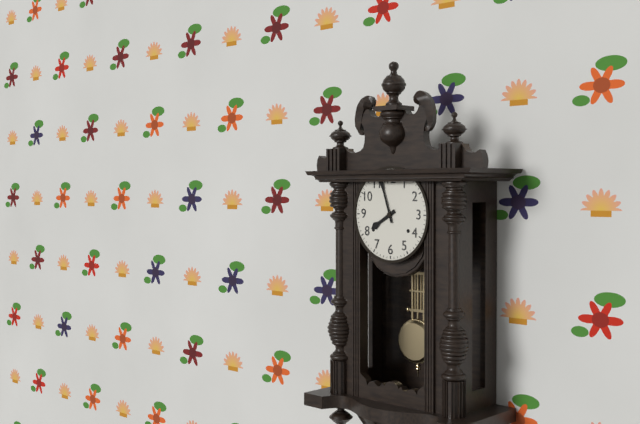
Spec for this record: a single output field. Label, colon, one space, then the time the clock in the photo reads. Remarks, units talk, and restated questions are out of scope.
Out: 7:57
